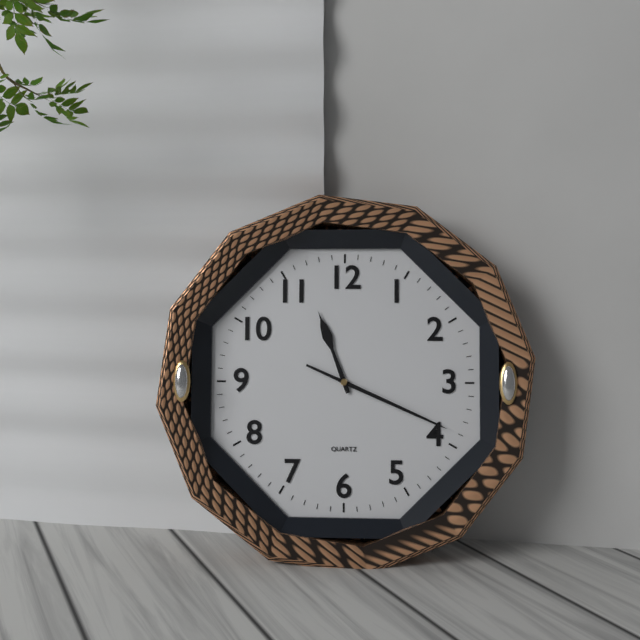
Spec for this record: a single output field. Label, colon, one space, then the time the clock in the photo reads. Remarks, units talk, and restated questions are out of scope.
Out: 11:19
